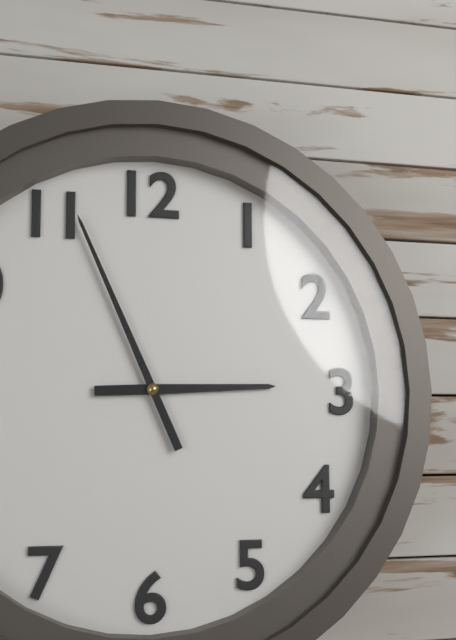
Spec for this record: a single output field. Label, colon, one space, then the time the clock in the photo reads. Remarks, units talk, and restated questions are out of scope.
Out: 2:56
